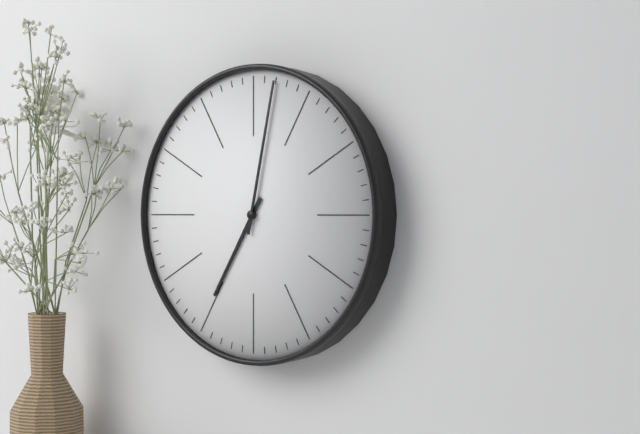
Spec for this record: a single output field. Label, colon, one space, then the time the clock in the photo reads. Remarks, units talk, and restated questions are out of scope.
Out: 7:02
